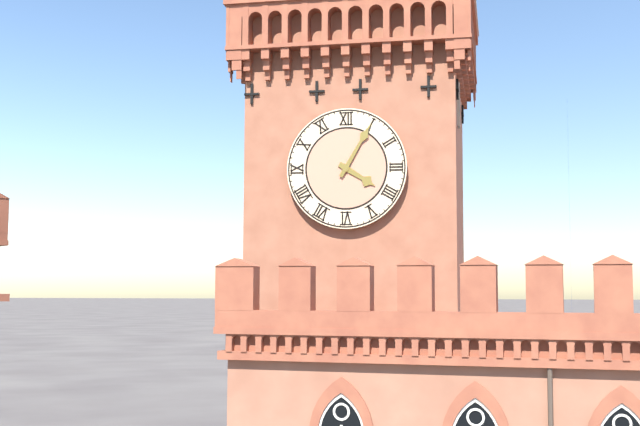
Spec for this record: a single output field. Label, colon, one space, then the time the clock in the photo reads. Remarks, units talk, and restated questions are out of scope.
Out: 4:05
